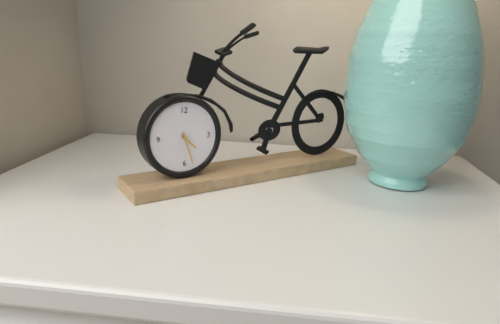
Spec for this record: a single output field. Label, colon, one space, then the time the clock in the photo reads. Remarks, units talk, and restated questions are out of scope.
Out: 4:27
